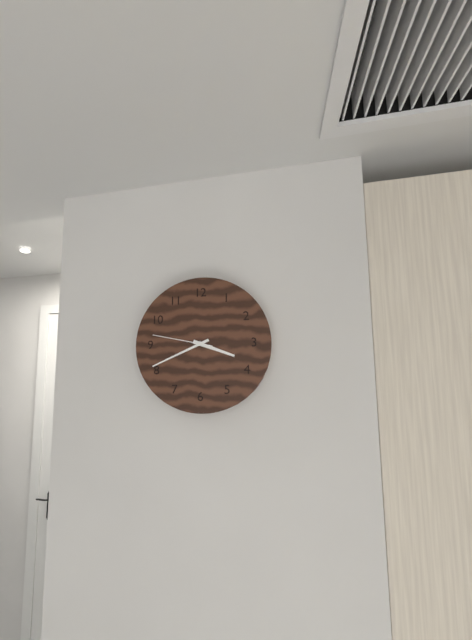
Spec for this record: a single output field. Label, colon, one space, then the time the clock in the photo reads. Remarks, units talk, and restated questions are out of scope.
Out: 3:41:47
